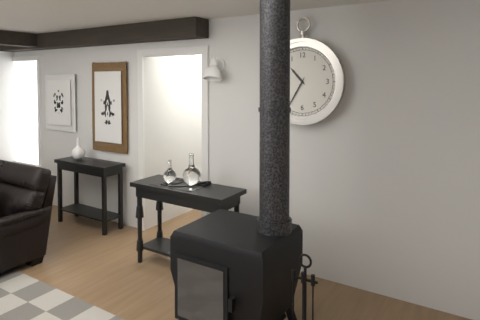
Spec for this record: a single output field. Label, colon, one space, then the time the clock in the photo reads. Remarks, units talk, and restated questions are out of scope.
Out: 10:35
